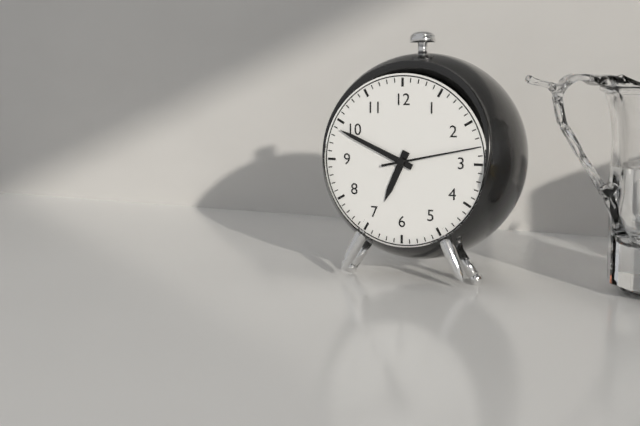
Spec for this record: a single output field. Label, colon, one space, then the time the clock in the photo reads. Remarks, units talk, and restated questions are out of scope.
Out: 6:49:13
